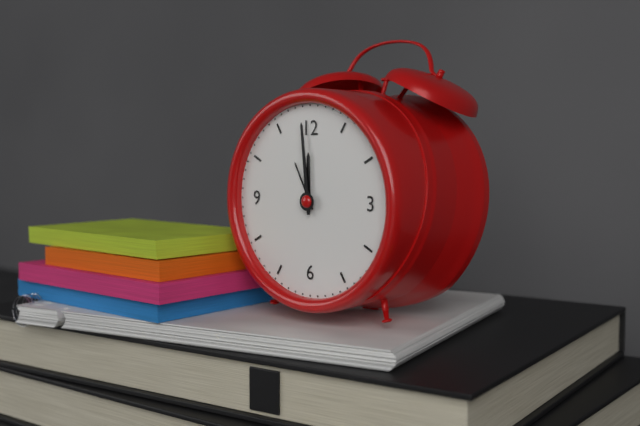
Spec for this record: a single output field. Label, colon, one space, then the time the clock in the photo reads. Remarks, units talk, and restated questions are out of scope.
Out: 11:59
